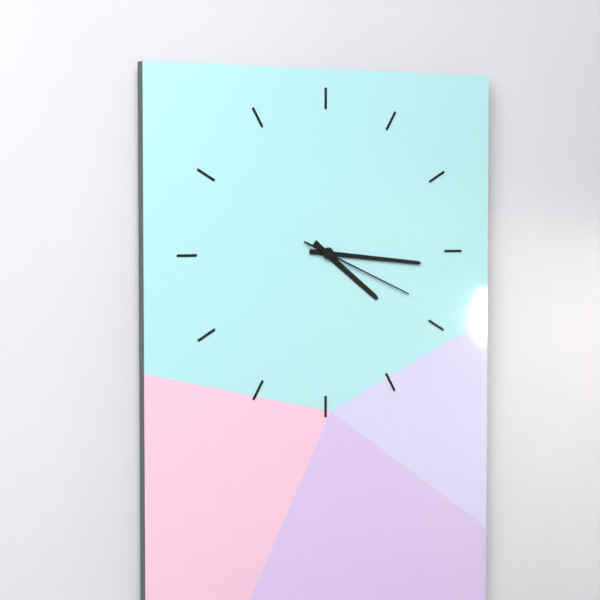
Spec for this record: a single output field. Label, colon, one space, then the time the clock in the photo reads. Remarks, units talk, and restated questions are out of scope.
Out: 4:16:19
